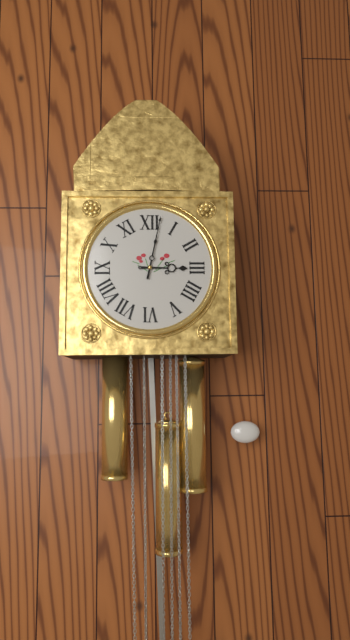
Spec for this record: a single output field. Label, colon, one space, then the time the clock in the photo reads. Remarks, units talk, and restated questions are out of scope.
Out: 3:02
